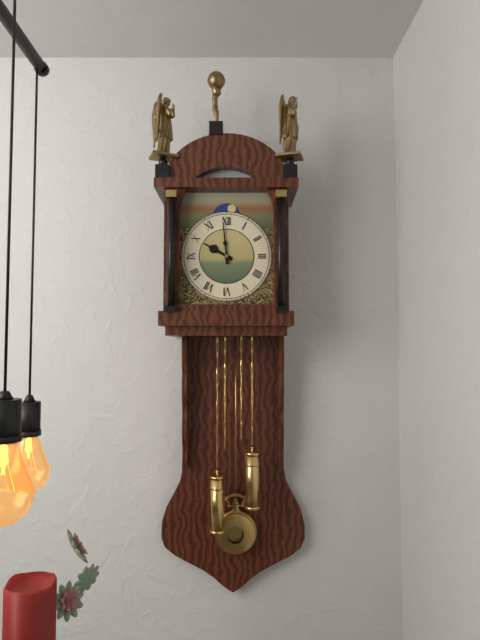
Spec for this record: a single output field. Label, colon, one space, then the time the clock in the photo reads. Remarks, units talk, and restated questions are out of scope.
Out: 9:59
